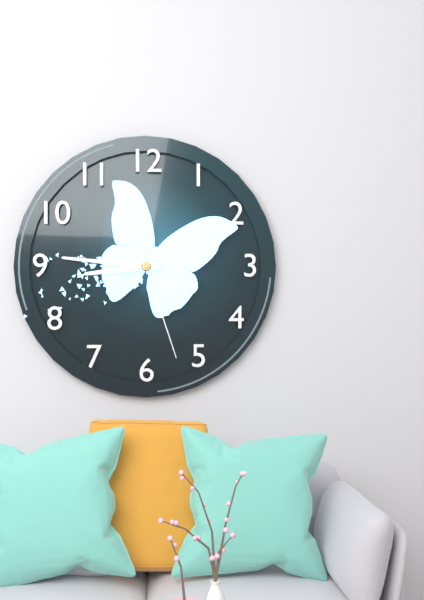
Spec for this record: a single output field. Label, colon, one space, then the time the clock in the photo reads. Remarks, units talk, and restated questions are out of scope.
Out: 8:46:27
